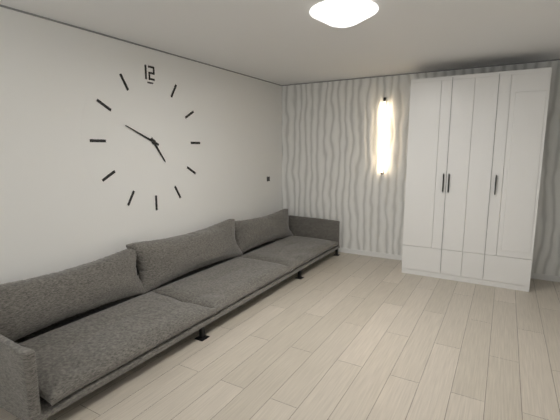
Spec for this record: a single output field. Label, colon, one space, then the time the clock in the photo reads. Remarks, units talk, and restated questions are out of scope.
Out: 4:49
